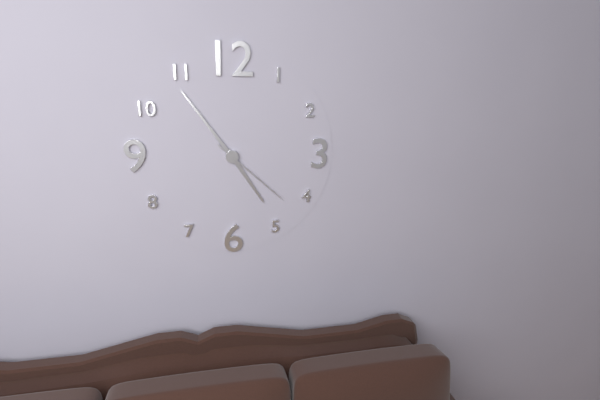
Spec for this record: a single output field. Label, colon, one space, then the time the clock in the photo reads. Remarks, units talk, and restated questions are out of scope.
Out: 4:54:22
